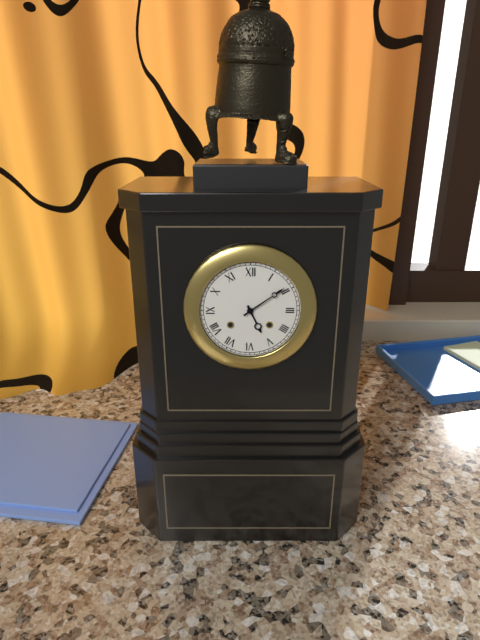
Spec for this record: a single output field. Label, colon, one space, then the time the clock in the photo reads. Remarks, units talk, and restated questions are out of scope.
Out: 5:09
